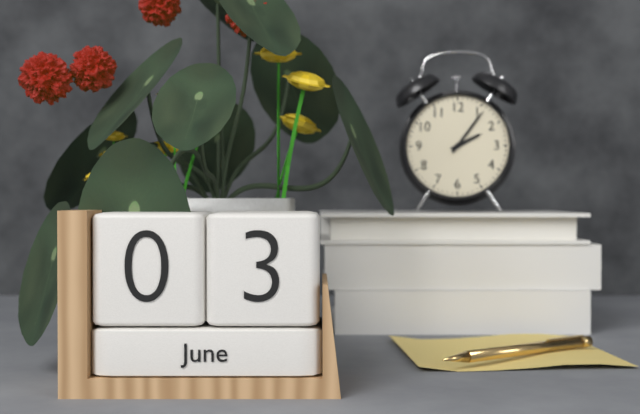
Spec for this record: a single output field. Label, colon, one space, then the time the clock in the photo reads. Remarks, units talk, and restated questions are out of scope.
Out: 2:06
